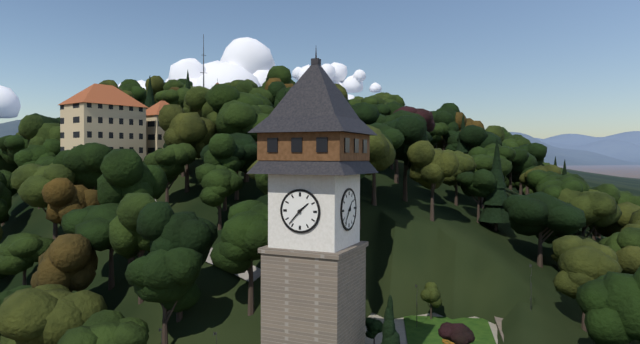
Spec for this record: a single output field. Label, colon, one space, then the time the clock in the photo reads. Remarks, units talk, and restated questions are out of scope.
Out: 1:37
